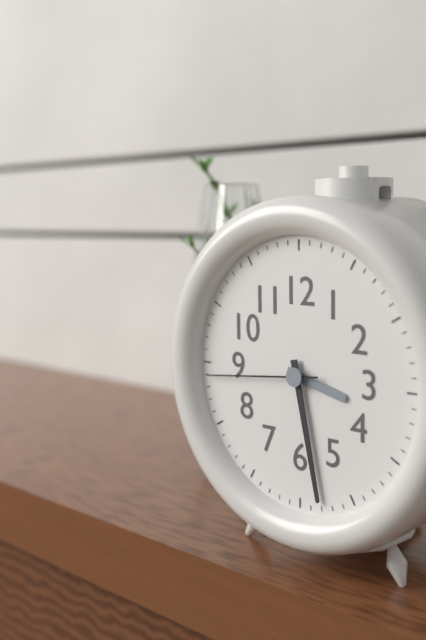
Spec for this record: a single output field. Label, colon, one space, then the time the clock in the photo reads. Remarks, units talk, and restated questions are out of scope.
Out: 3:28:44
